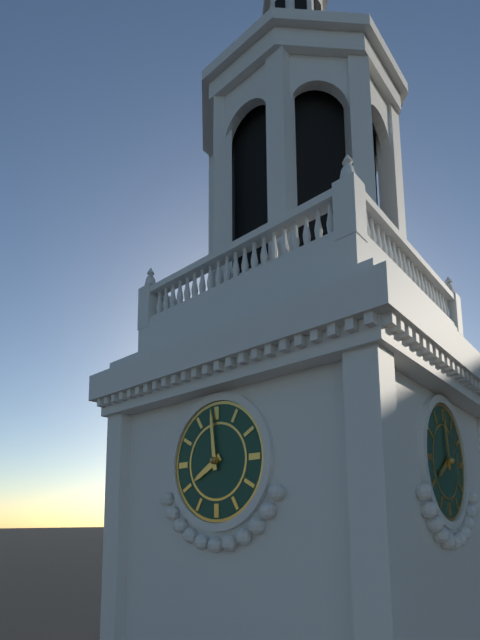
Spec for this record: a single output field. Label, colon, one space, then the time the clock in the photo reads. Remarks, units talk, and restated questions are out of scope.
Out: 7:59
